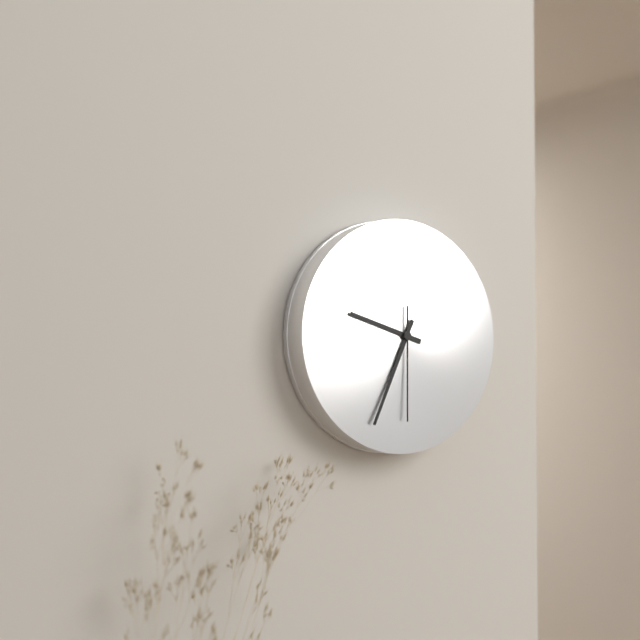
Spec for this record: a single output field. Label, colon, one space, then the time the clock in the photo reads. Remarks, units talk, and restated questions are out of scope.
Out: 9:34:30
